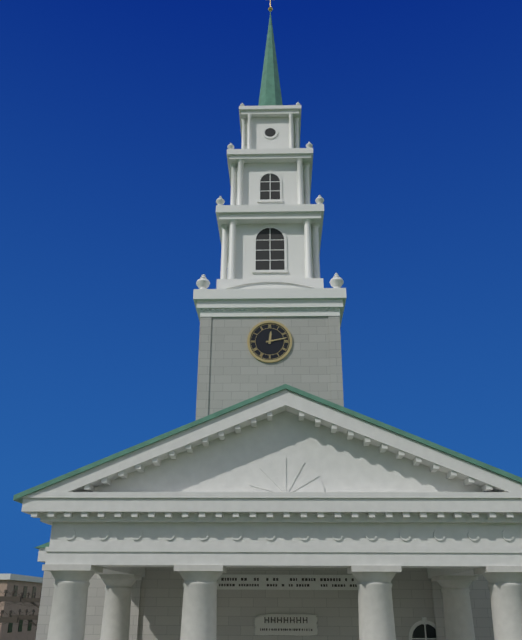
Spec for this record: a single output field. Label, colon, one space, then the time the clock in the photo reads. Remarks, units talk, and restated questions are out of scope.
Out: 12:13
